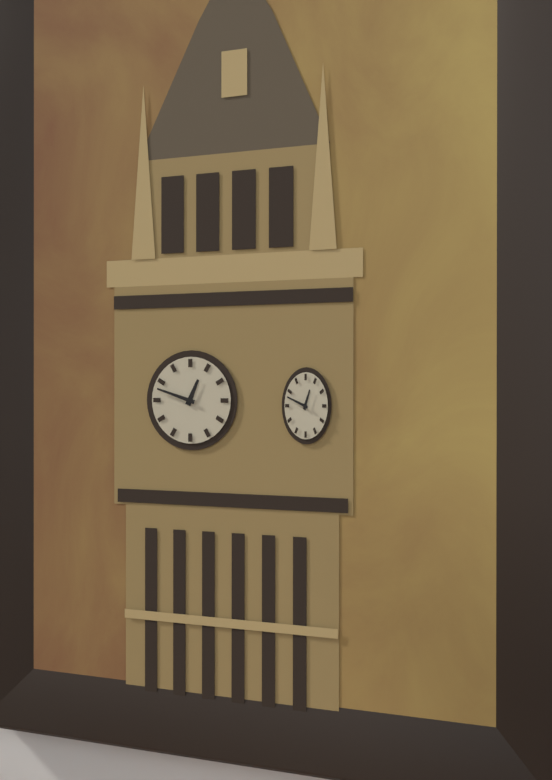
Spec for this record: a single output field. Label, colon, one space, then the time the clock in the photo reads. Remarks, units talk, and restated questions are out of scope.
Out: 12:48
